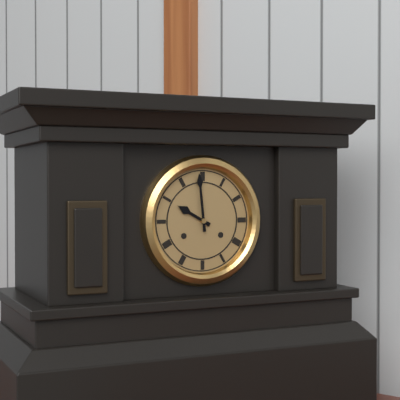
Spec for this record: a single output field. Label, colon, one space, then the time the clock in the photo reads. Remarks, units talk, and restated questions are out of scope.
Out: 9:59
